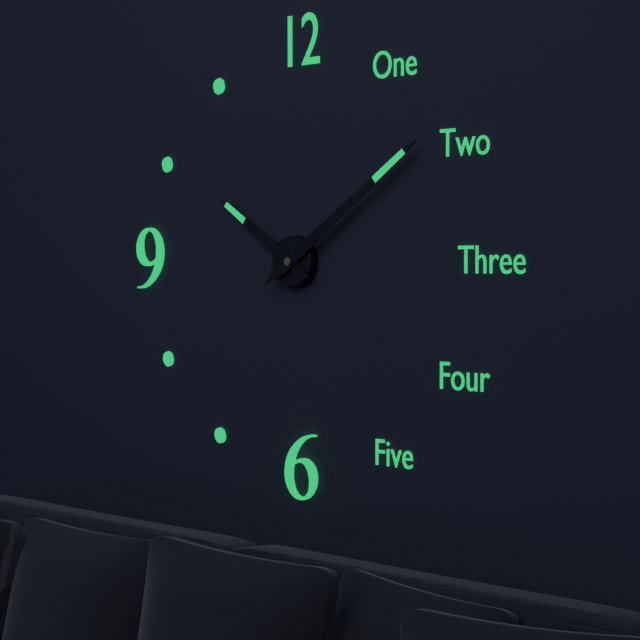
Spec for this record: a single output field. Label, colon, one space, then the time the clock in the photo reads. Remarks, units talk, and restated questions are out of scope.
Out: 10:09
